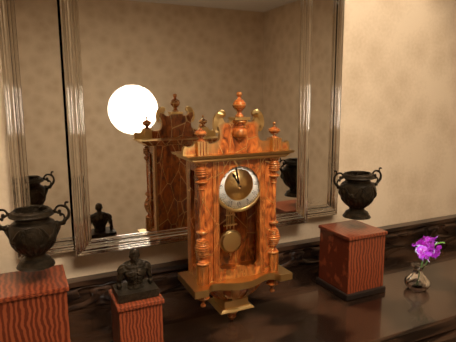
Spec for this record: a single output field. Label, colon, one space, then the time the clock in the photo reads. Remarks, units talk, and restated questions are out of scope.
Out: 10:58
